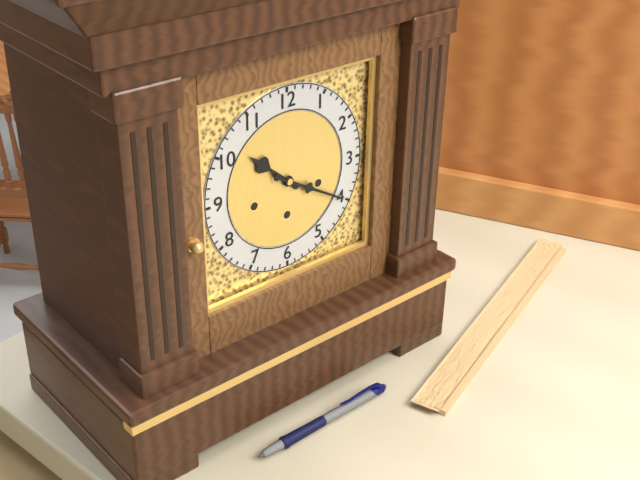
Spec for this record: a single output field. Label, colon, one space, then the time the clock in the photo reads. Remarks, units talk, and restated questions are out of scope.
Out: 10:20
